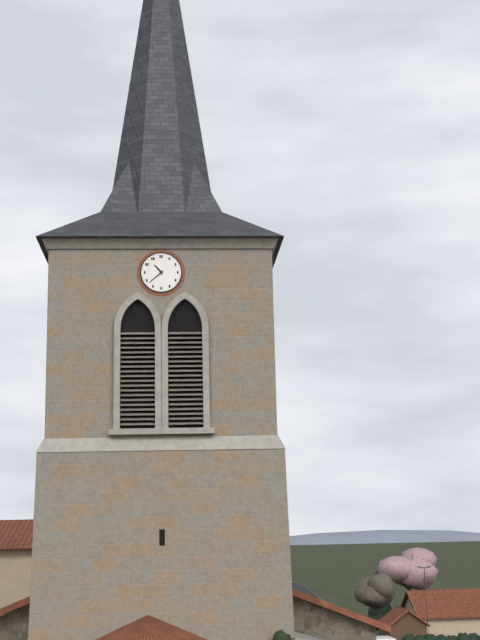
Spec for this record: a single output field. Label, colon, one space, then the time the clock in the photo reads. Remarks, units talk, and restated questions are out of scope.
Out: 10:38
